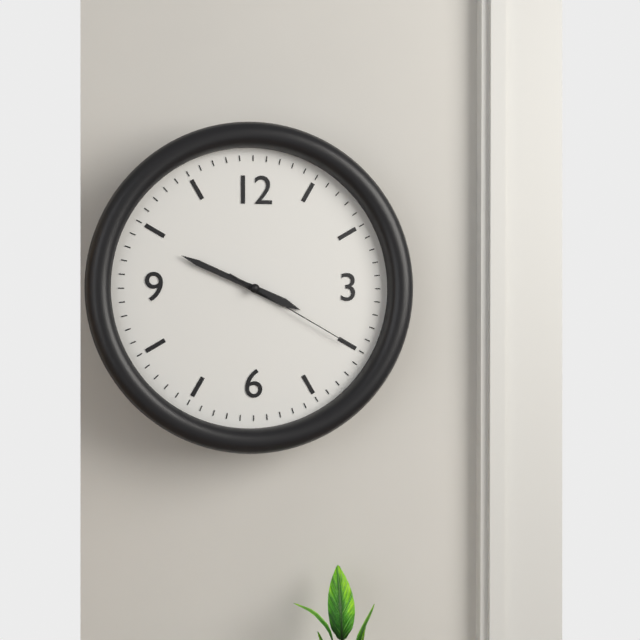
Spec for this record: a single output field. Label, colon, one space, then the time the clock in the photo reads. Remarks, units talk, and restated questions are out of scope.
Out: 3:49:20
